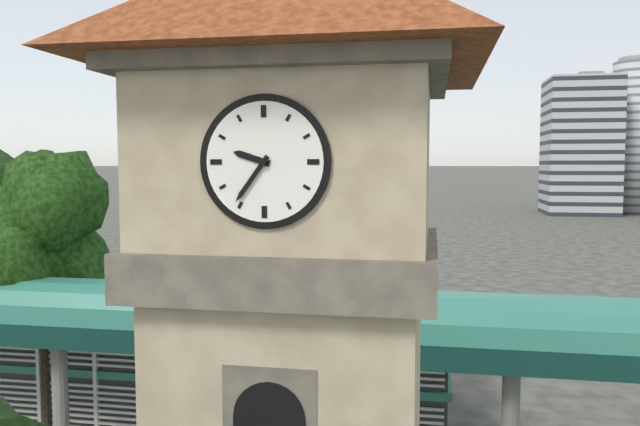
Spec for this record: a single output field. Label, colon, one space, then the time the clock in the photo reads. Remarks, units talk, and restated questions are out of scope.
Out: 9:36
